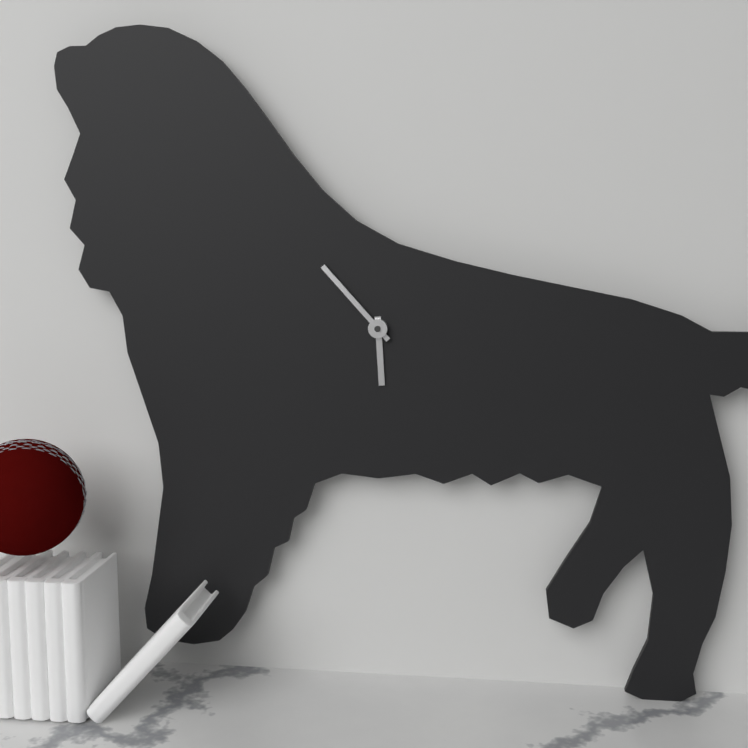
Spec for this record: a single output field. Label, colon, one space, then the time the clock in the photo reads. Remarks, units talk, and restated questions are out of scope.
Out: 5:53
